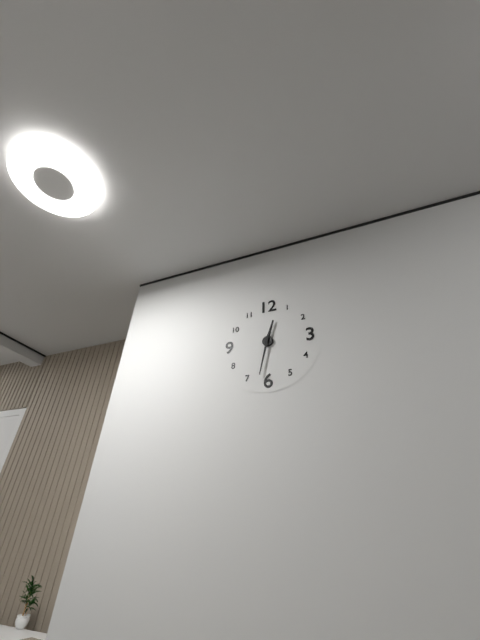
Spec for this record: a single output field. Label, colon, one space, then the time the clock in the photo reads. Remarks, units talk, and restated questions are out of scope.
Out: 12:32
